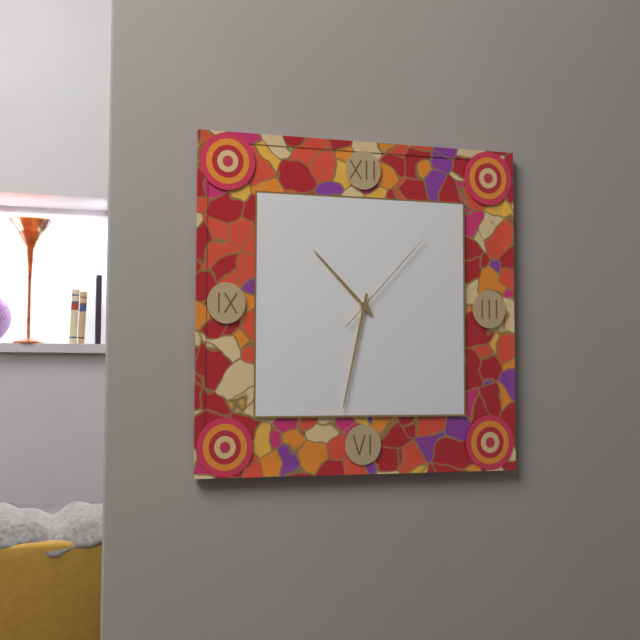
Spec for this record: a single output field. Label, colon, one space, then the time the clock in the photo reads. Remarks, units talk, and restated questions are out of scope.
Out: 10:32:07
